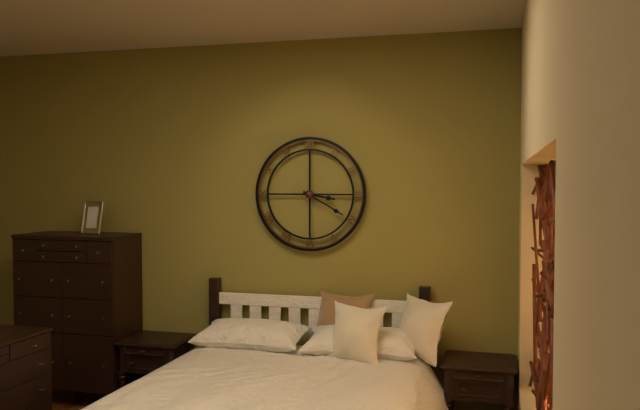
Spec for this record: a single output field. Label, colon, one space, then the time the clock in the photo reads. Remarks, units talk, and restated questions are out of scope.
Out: 3:20
